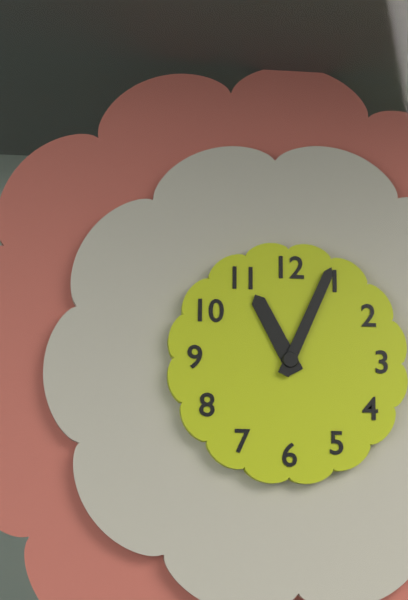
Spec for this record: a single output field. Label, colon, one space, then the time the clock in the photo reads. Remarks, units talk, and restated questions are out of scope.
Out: 11:04
